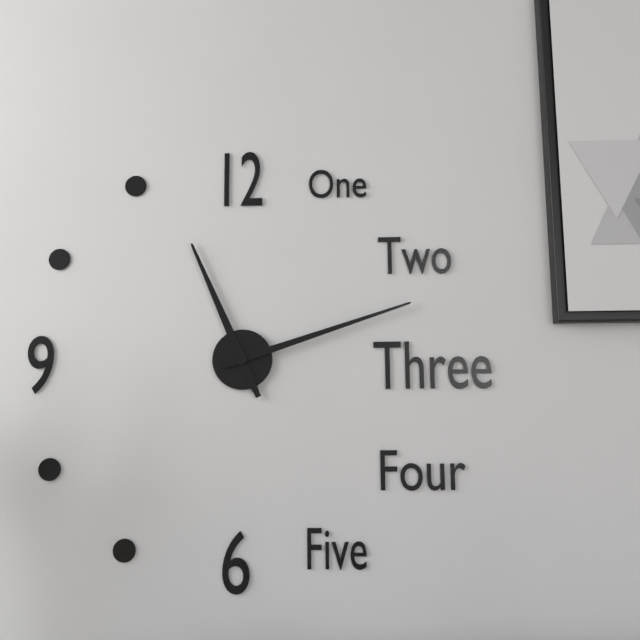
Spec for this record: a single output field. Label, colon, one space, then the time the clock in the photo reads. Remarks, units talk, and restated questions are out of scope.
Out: 11:12
